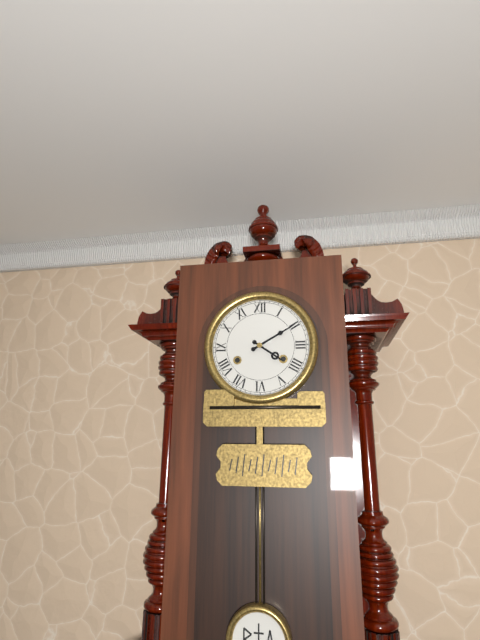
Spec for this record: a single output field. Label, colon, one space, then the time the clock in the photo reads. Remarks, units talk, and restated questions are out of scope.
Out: 4:10
